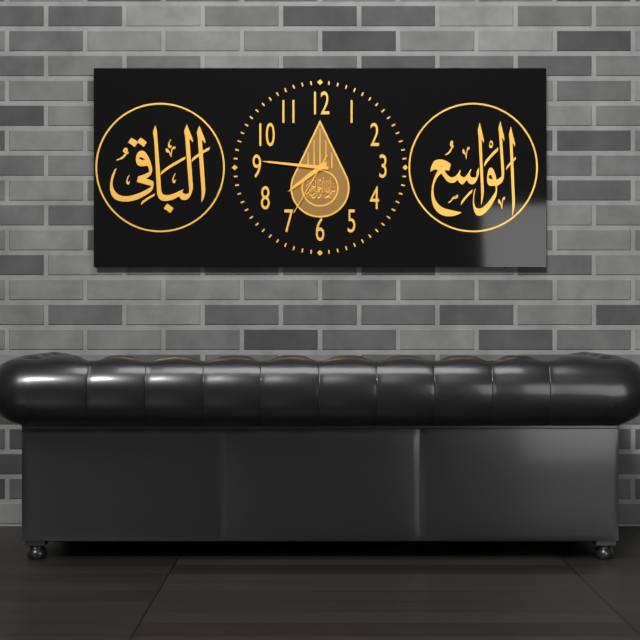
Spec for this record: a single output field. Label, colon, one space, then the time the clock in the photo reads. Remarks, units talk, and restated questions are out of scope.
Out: 7:46:35
